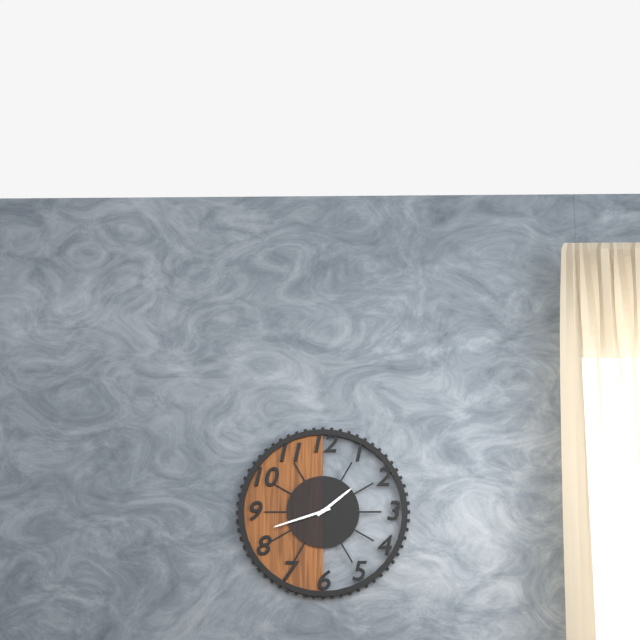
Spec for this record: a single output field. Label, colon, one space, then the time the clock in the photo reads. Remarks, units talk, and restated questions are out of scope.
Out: 1:42
